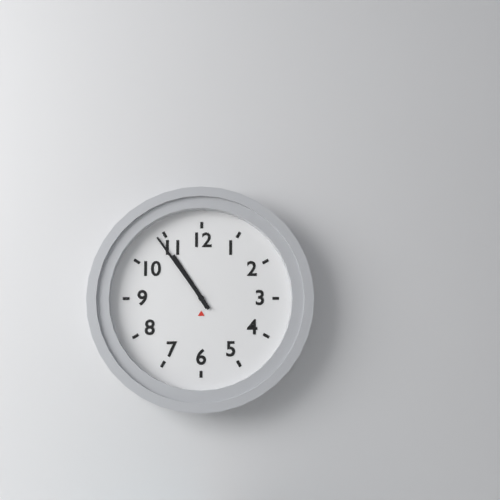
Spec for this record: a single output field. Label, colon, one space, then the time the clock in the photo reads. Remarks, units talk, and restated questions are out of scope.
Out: 10:54
